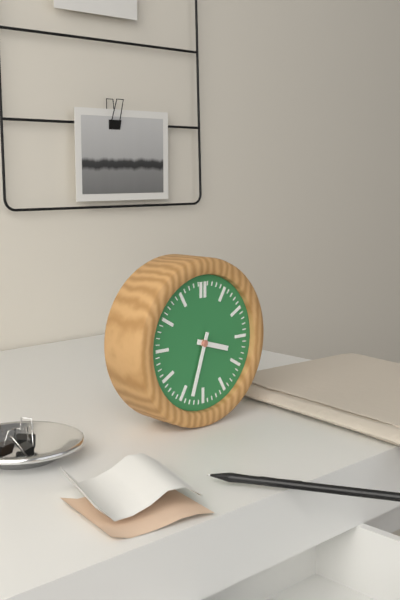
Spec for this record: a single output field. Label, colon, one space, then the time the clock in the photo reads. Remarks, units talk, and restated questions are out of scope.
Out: 3:33
